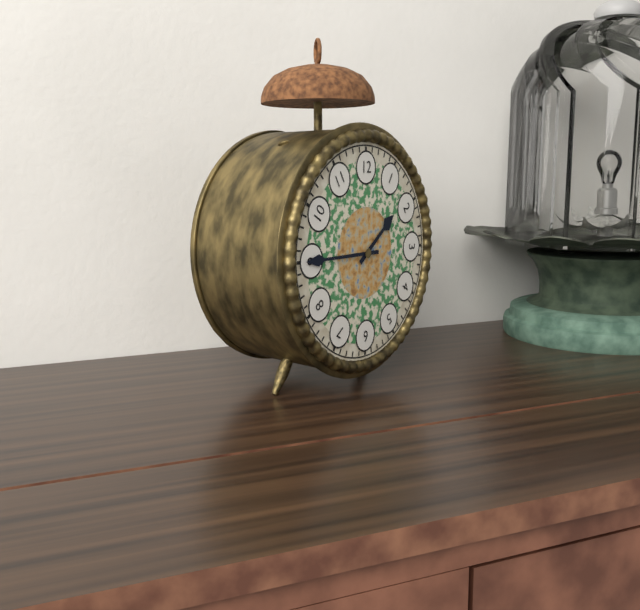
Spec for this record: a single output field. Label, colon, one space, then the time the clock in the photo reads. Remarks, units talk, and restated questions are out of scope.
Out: 1:45
